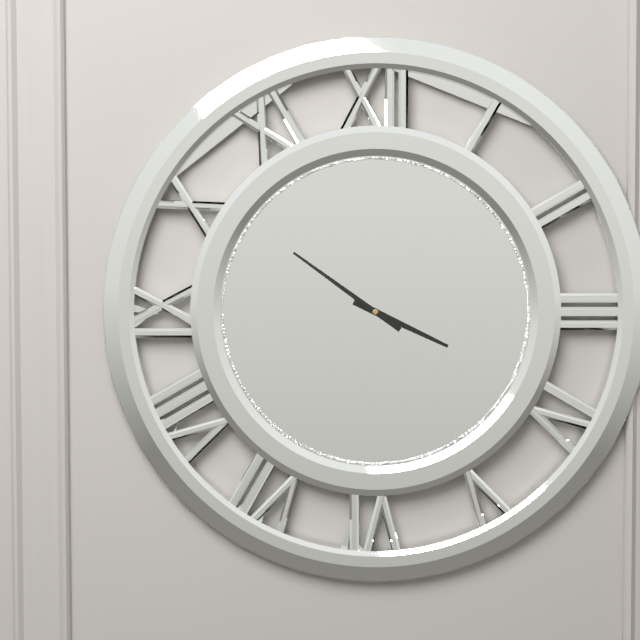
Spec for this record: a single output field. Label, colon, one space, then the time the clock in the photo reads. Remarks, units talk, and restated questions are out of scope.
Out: 3:51
